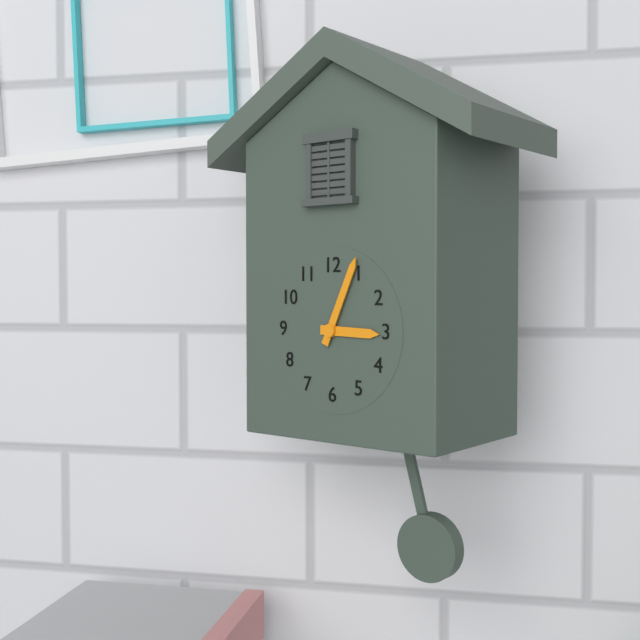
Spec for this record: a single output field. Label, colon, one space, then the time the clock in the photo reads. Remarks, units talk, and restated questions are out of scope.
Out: 3:04
